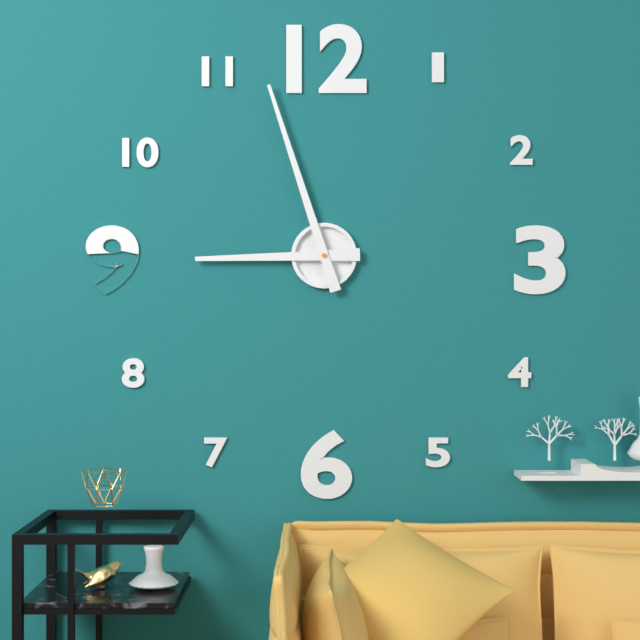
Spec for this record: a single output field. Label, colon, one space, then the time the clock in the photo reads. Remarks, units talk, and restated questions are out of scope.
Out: 8:57
